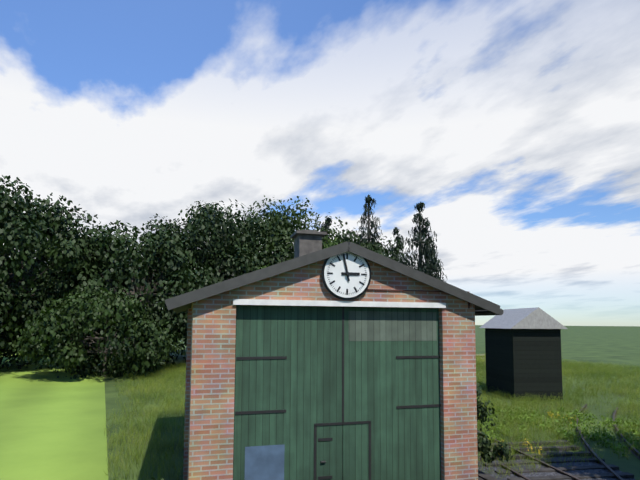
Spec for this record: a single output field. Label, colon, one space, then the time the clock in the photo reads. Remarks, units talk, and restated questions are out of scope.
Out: 2:58
